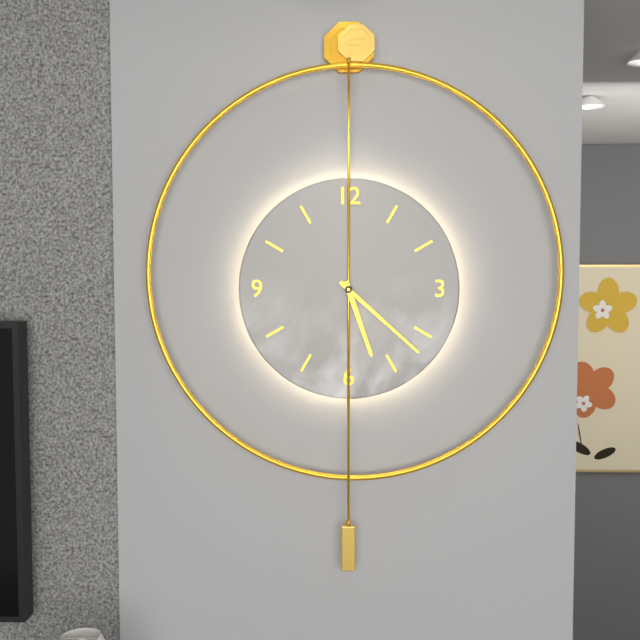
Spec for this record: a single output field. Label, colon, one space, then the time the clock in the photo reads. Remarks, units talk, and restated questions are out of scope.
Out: 5:22
